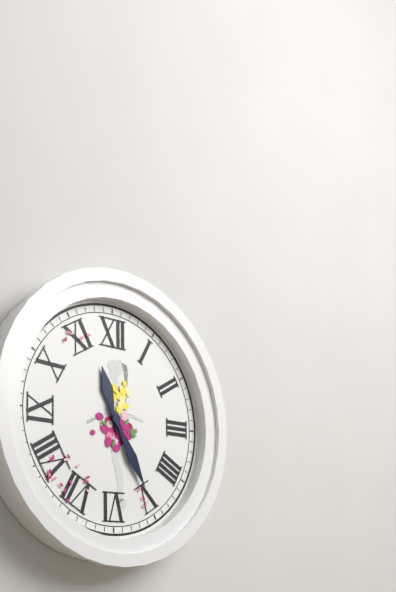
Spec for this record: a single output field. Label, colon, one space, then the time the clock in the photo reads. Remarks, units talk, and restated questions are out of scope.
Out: 11:25
